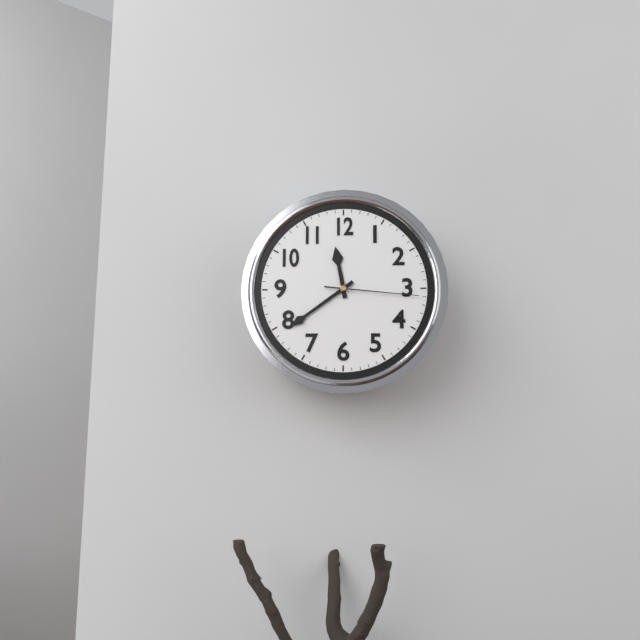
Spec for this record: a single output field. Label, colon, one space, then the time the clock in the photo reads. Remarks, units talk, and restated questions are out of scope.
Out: 11:39:16
